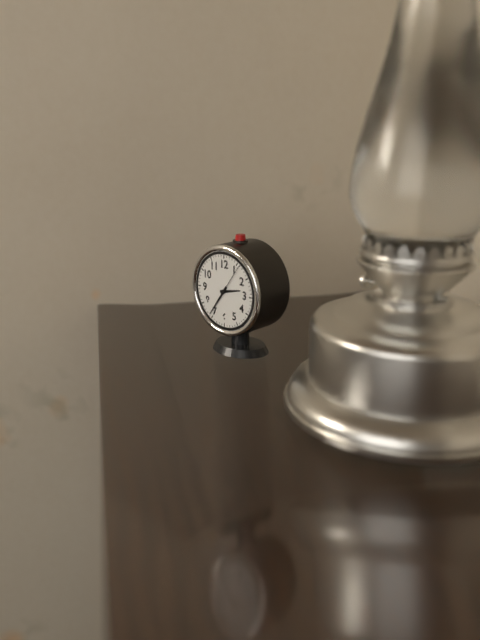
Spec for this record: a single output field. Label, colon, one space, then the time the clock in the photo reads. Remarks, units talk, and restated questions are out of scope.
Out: 2:36
